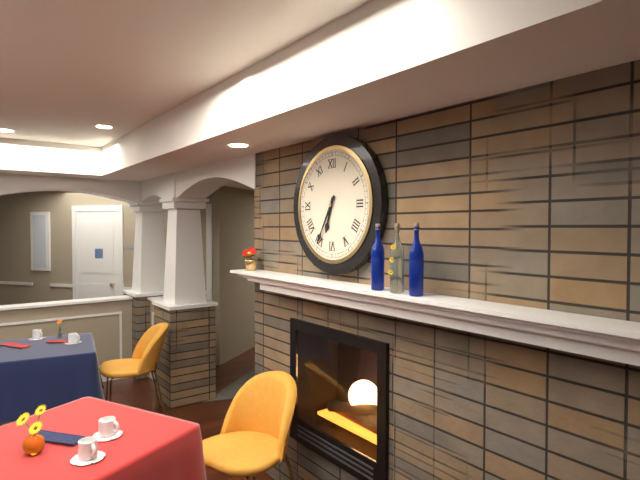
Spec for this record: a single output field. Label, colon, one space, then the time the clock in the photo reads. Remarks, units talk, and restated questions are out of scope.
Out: 6:35
